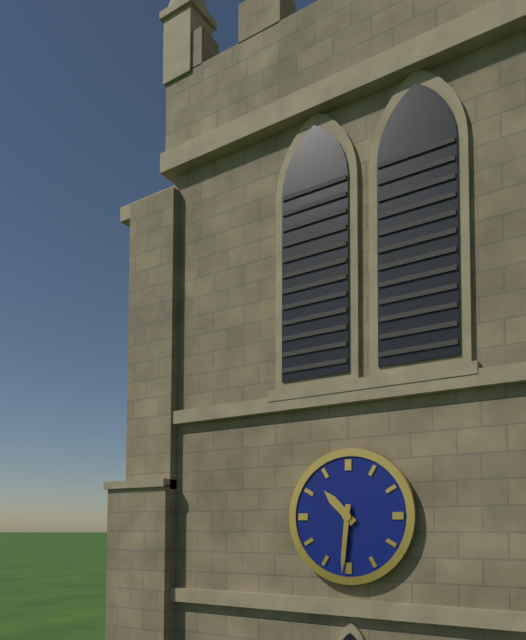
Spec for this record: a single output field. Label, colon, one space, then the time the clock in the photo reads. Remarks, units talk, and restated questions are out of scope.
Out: 10:31
